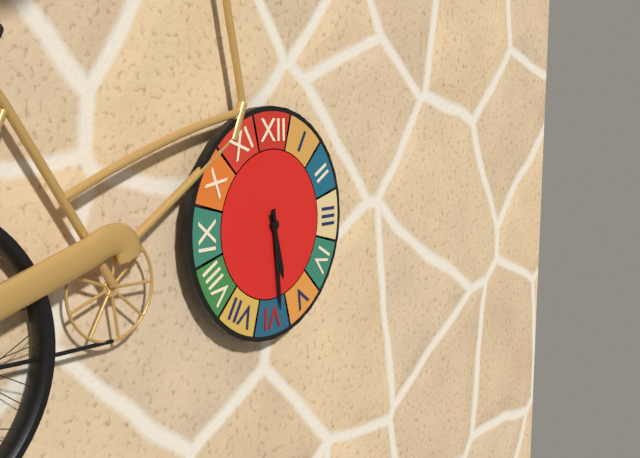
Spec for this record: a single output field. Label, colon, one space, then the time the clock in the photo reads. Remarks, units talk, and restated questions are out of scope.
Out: 5:29
